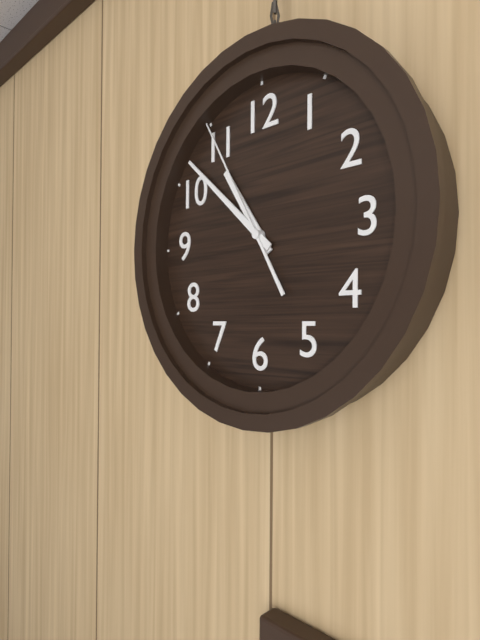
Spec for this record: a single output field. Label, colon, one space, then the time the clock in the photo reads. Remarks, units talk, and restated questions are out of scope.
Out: 10:52:55
